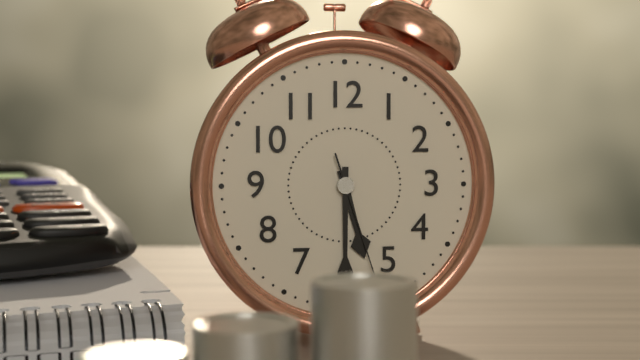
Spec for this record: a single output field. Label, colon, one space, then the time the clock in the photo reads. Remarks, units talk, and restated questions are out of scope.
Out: 5:30:27
